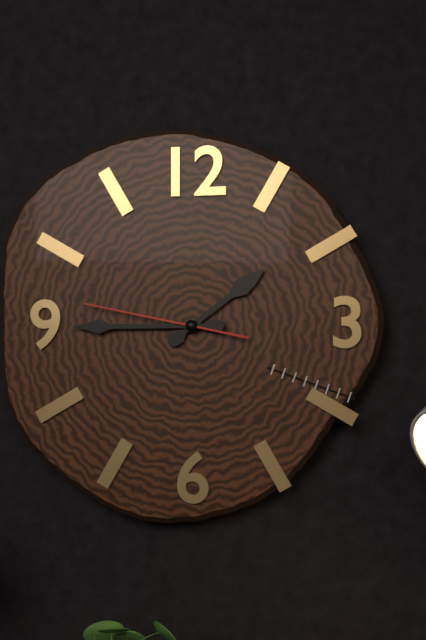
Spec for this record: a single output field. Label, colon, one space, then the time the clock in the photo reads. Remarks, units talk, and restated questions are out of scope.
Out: 1:45:47
